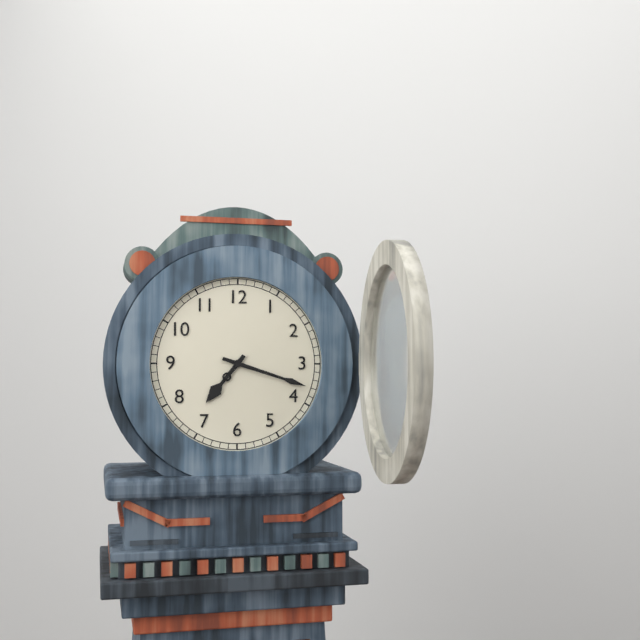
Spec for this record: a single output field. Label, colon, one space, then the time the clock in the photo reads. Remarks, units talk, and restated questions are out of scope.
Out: 7:18
